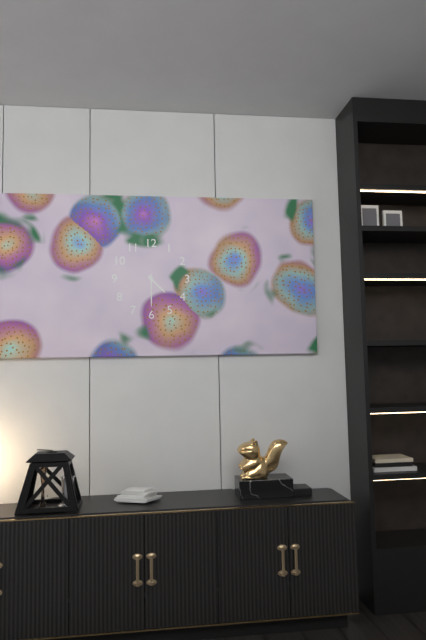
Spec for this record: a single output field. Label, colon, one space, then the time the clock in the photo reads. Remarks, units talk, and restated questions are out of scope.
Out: 4:30
